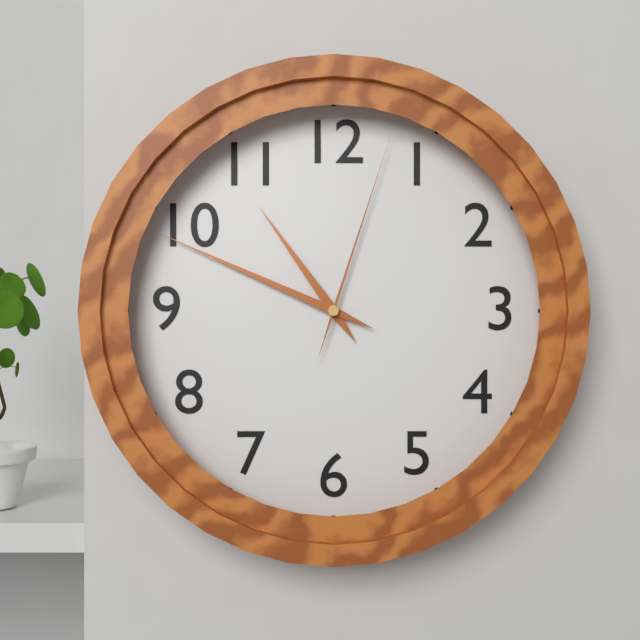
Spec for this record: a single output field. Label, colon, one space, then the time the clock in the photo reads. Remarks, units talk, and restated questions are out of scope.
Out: 10:49:03
